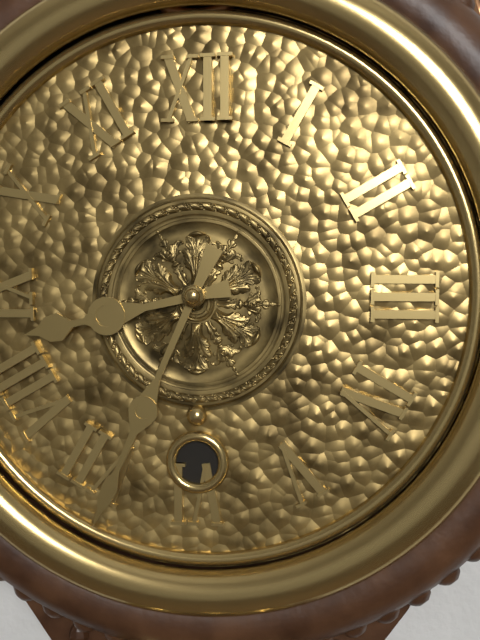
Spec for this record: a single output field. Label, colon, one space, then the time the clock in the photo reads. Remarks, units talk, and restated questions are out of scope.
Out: 8:34
